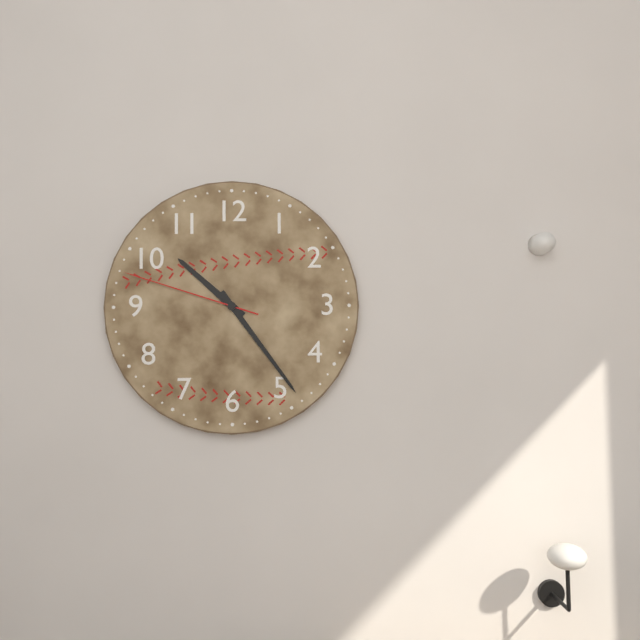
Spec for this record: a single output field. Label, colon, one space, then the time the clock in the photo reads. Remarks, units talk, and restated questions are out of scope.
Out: 10:24:48
